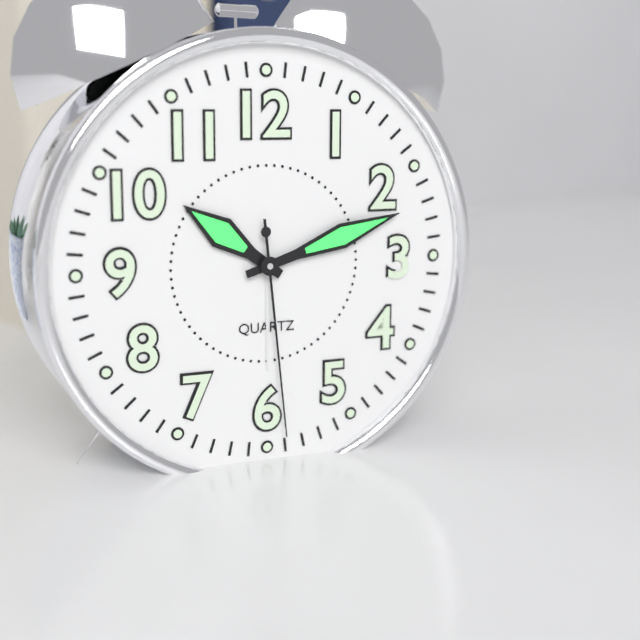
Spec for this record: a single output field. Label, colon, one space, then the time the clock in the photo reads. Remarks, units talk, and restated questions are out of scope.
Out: 10:12:29
